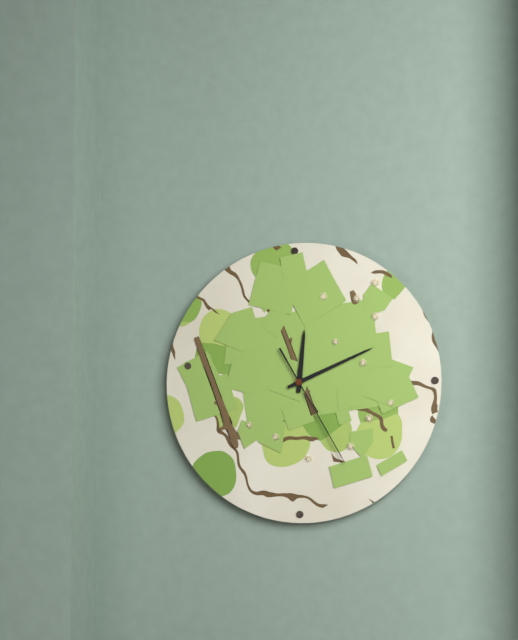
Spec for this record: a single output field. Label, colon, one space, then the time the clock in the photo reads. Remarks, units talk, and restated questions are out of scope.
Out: 12:11:25
